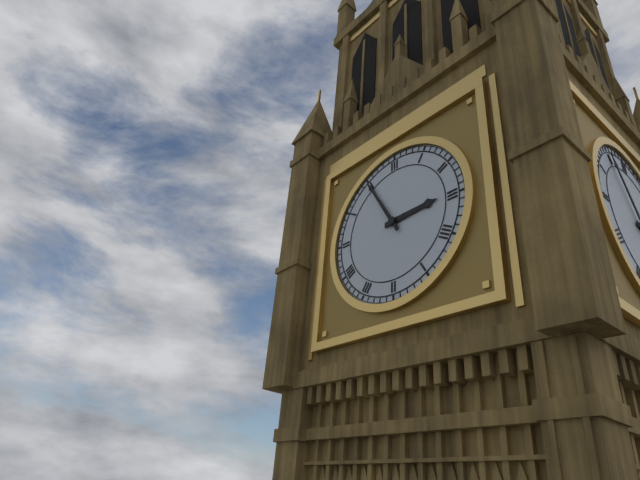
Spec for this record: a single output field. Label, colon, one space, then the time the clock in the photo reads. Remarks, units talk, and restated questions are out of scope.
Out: 2:55
